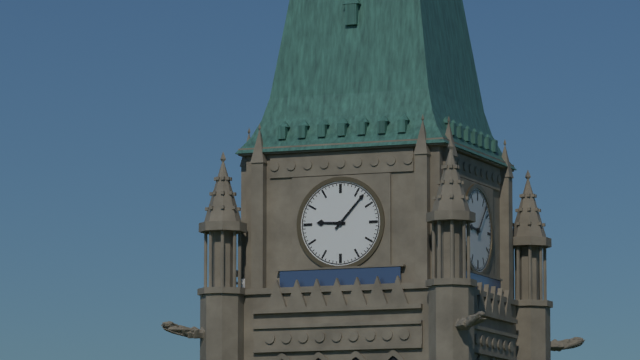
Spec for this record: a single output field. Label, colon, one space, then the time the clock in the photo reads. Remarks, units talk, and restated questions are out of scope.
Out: 9:07
